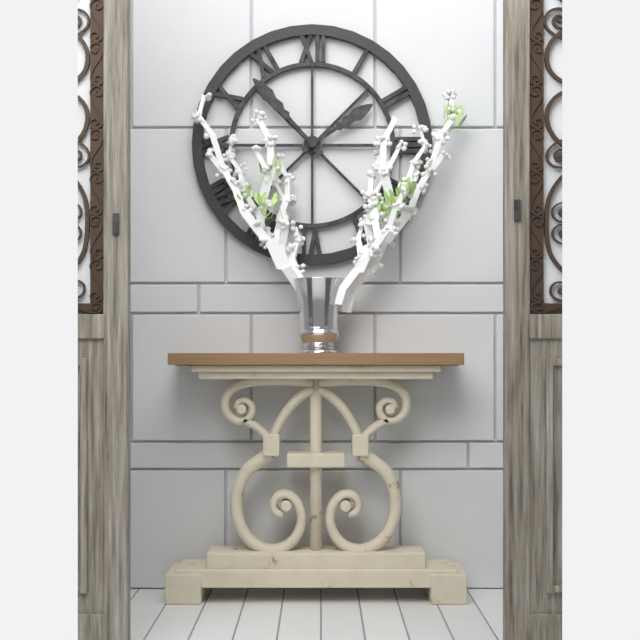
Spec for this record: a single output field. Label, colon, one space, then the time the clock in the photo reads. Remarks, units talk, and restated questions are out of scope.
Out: 1:53
